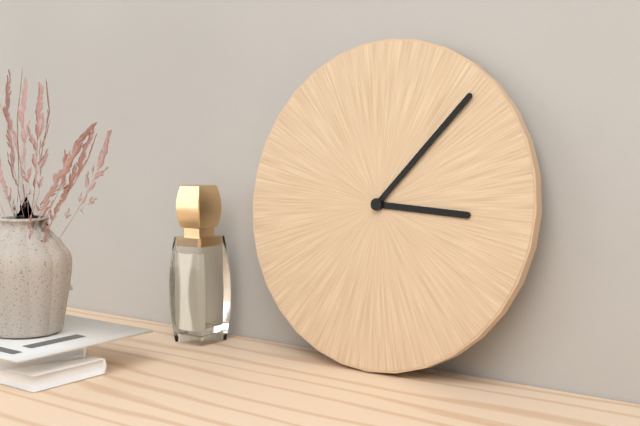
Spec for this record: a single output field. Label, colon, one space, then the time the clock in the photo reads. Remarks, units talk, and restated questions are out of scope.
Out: 3:07
